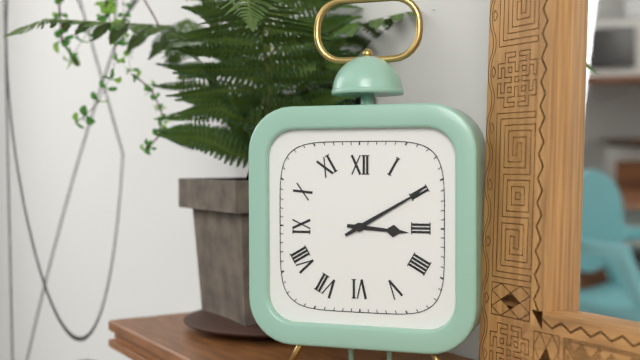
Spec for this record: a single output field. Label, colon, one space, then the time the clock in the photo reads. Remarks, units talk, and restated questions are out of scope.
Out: 3:10
